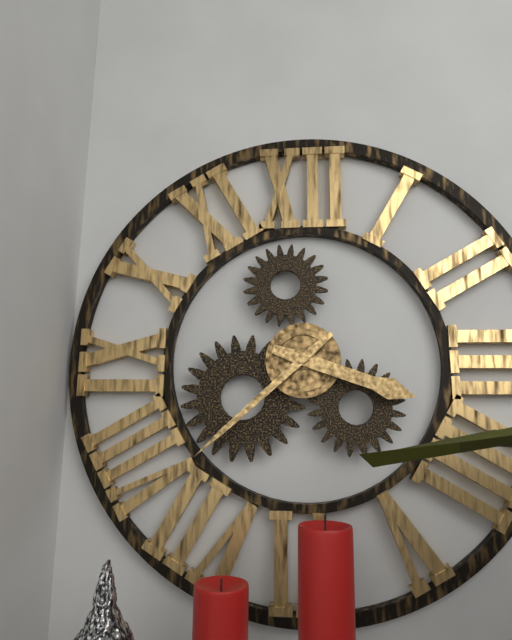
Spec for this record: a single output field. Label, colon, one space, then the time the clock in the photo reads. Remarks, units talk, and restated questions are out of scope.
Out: 3:38
